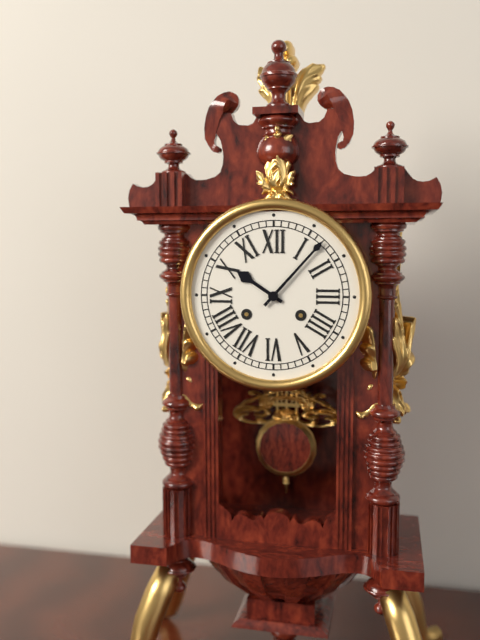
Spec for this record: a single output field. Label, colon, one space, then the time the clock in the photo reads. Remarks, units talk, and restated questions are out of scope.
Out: 10:07
